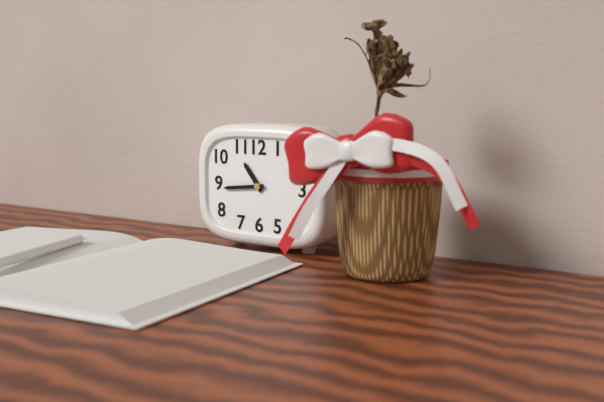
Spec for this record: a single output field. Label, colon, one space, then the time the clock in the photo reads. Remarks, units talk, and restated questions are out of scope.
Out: 10:44
